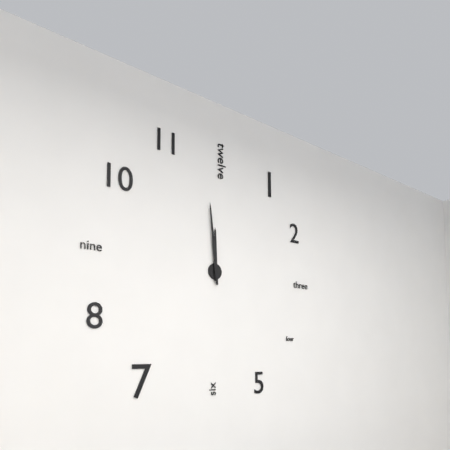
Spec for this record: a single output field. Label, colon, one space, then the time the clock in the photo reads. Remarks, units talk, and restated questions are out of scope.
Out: 11:59
